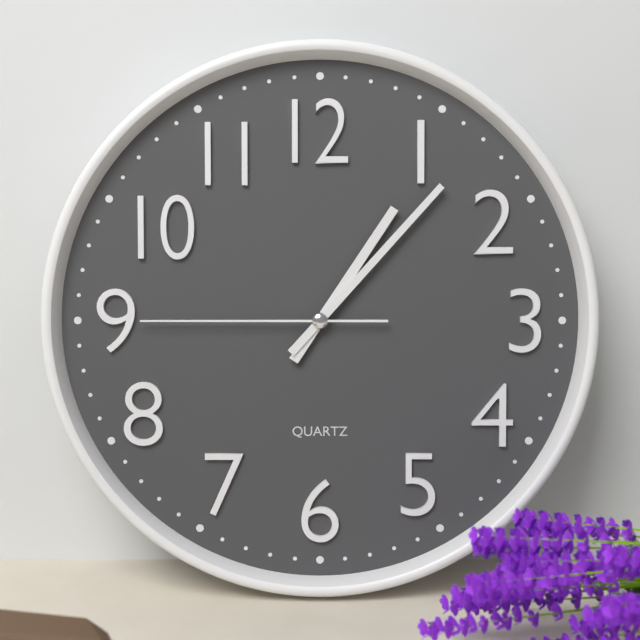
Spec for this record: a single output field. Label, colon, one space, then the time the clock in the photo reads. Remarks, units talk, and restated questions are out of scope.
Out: 1:07:45
